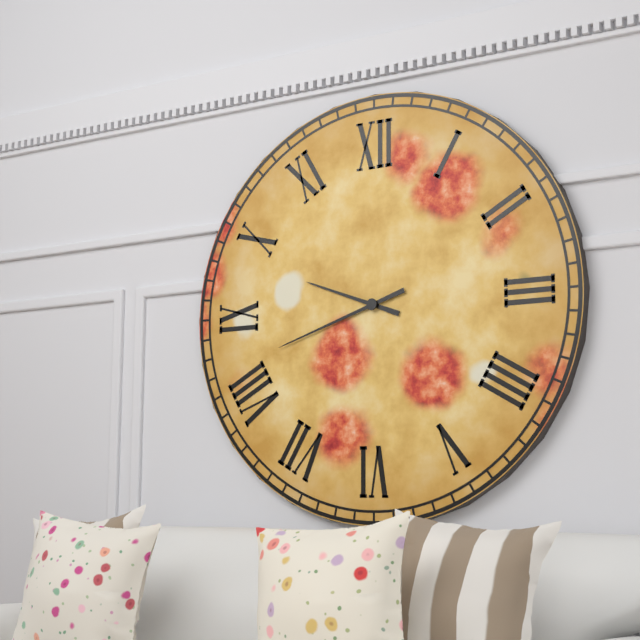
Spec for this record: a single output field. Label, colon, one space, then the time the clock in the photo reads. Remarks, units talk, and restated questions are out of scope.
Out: 9:42
